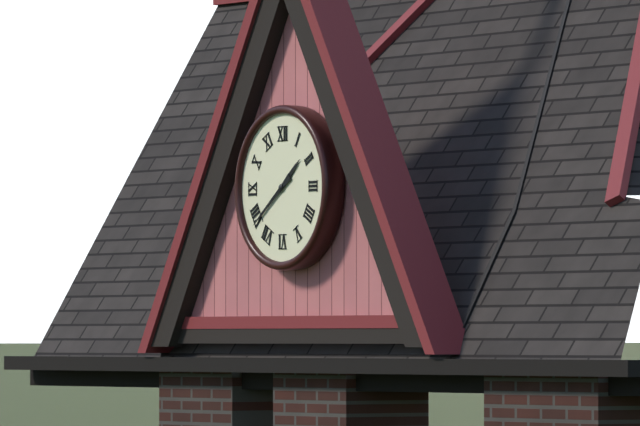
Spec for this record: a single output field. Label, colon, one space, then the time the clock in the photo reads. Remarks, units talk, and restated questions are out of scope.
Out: 1:39
